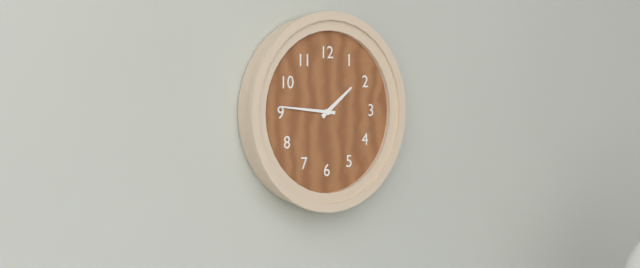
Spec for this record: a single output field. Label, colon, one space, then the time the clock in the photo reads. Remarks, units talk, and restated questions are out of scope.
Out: 1:46
